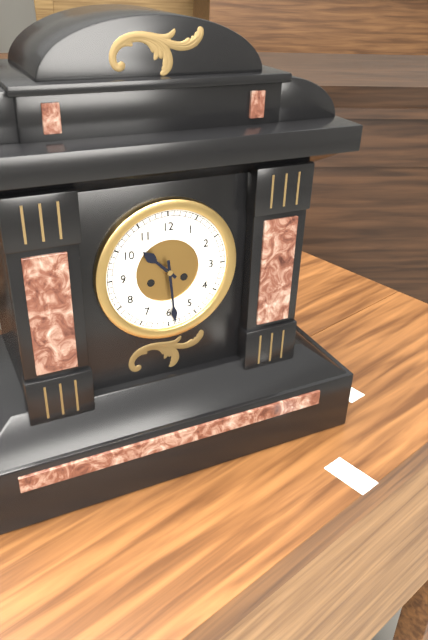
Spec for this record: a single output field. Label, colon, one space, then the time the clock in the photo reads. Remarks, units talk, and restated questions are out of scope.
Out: 10:29
